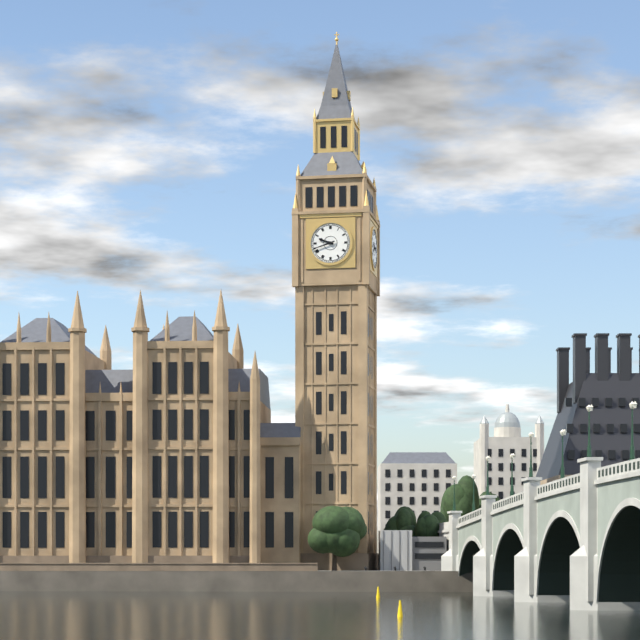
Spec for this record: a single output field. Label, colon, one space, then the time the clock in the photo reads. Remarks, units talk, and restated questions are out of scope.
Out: 9:42
